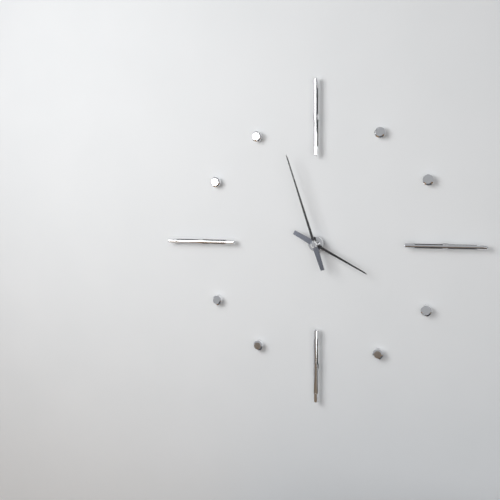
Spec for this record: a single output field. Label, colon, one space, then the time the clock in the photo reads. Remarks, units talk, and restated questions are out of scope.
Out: 3:57
